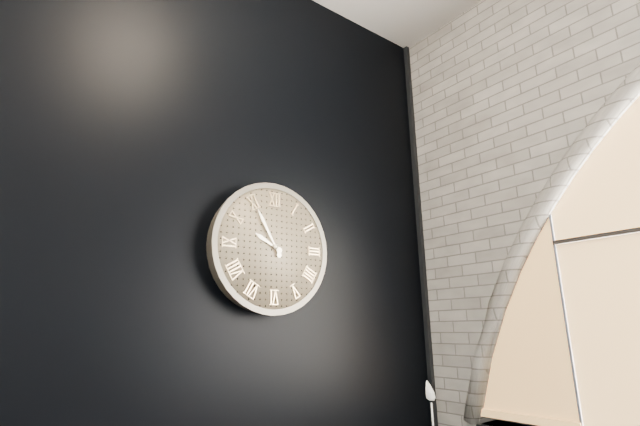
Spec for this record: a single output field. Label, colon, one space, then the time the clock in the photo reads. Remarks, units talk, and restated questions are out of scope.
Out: 9:55
